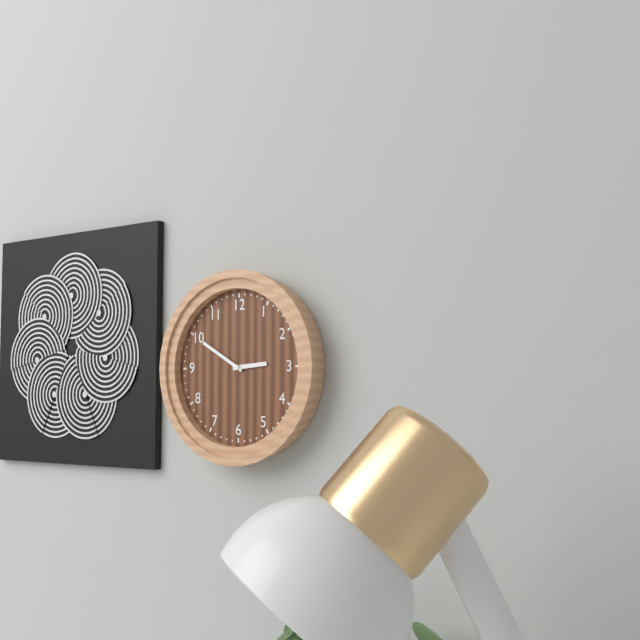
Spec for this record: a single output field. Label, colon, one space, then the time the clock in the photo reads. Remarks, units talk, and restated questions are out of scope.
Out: 2:50
